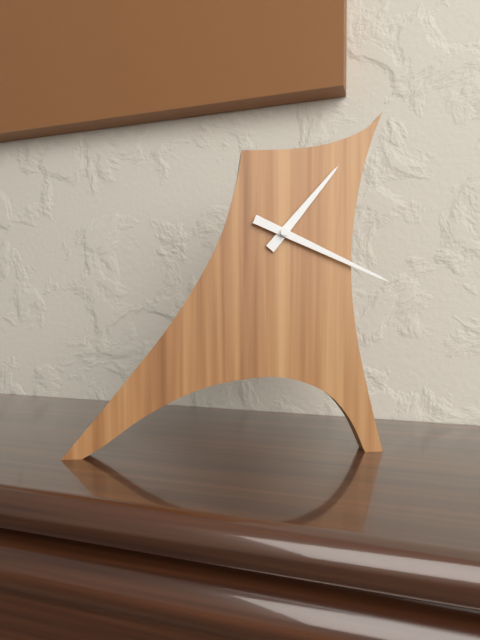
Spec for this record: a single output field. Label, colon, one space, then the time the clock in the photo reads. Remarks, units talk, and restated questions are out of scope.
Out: 1:19
